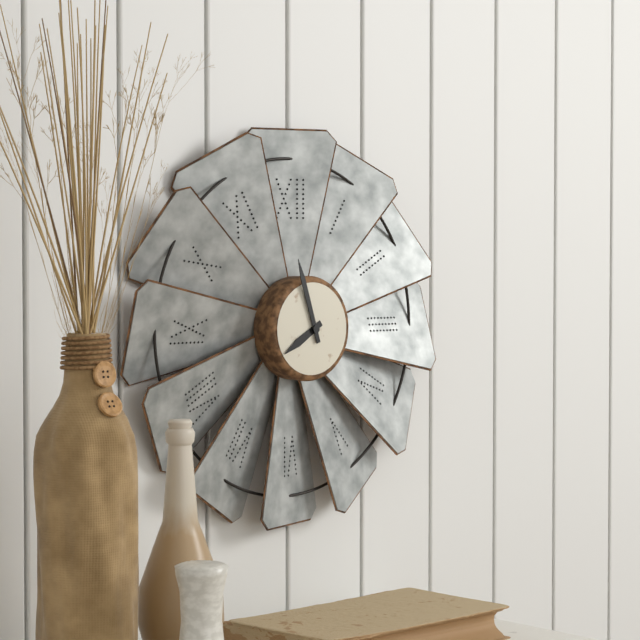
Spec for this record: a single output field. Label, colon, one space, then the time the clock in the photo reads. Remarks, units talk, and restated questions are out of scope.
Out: 7:57
